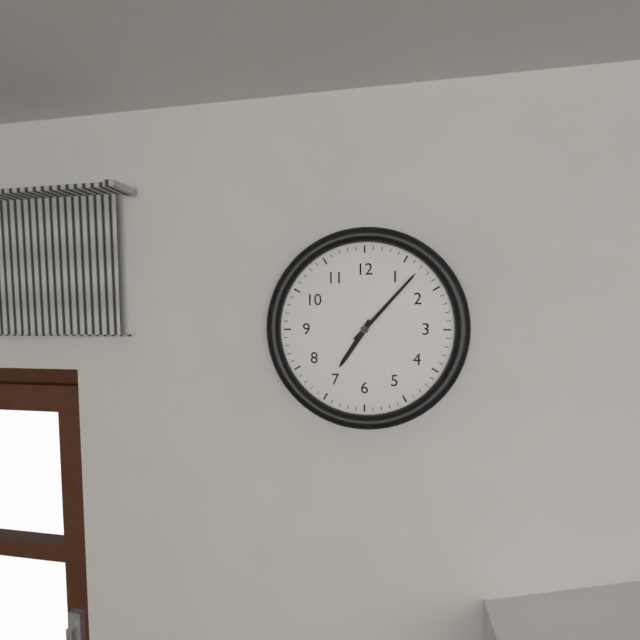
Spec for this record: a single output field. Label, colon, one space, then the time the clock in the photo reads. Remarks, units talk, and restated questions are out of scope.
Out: 7:07
